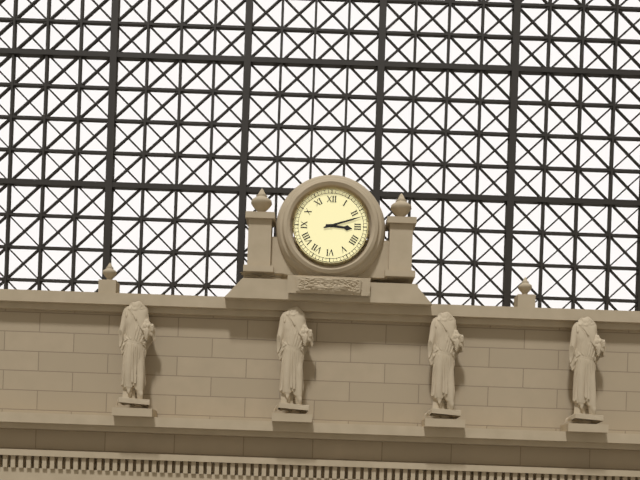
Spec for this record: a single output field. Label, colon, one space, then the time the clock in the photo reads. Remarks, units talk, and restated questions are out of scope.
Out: 3:12
